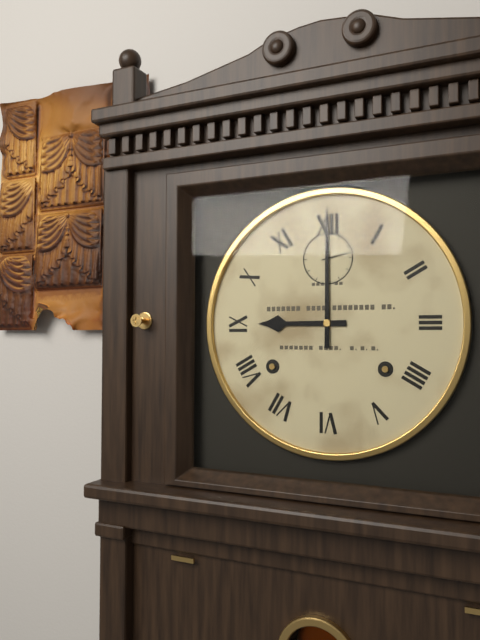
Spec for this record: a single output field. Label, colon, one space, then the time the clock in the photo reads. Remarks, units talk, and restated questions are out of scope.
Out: 9:00
